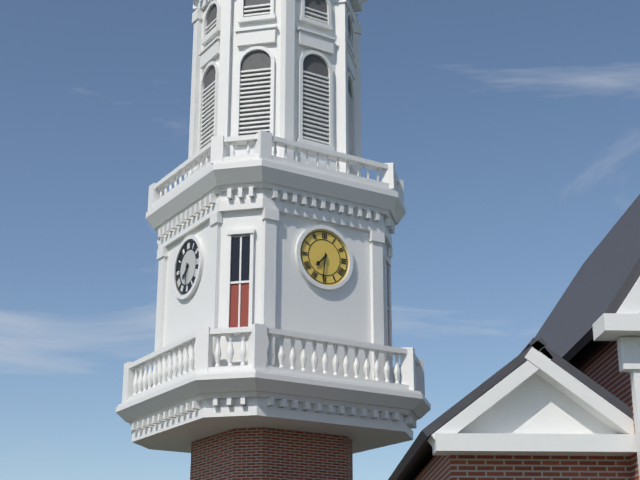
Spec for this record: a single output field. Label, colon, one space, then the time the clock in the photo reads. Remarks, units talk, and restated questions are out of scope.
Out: 7:31
